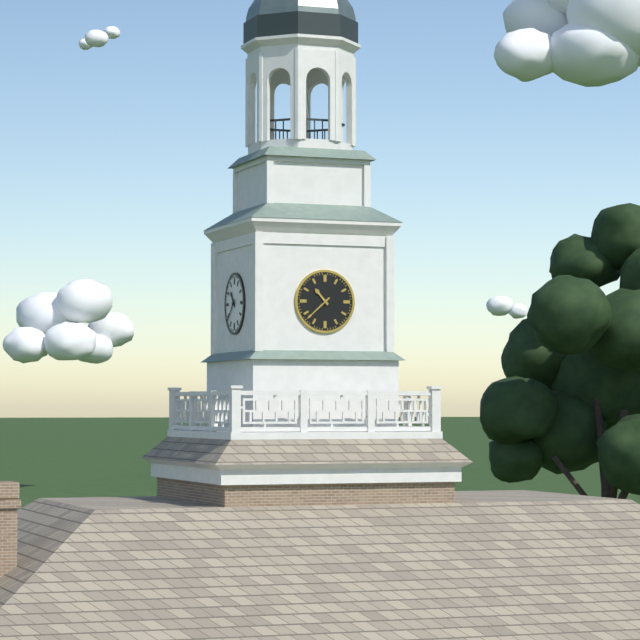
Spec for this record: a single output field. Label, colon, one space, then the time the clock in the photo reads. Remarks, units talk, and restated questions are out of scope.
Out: 10:38
